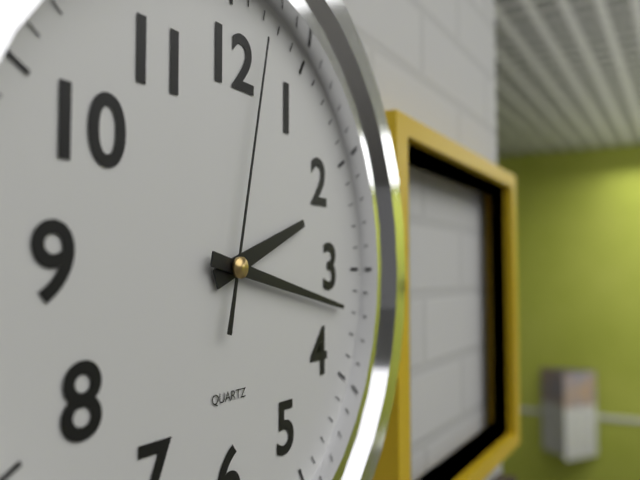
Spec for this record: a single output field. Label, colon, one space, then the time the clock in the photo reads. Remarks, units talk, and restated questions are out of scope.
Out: 2:17:02
